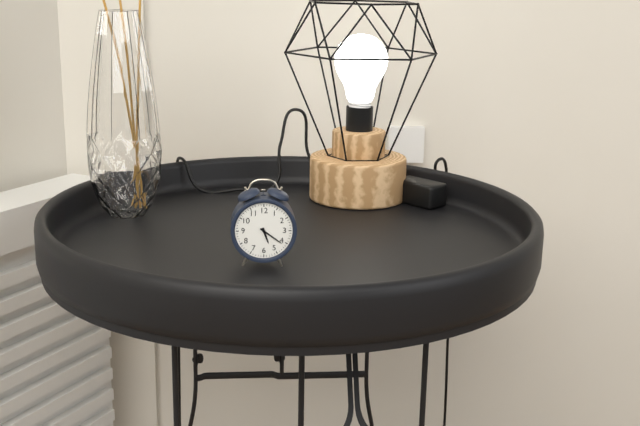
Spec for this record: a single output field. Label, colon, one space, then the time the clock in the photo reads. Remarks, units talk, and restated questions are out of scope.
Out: 5:21
